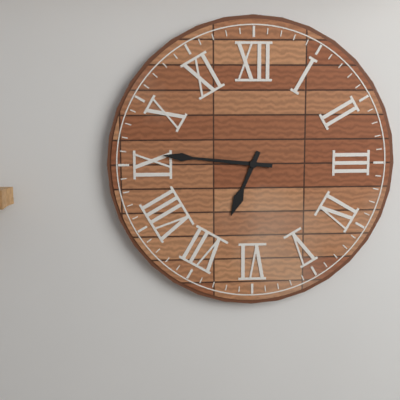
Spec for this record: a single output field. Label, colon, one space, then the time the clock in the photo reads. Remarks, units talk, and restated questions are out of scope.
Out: 6:46
